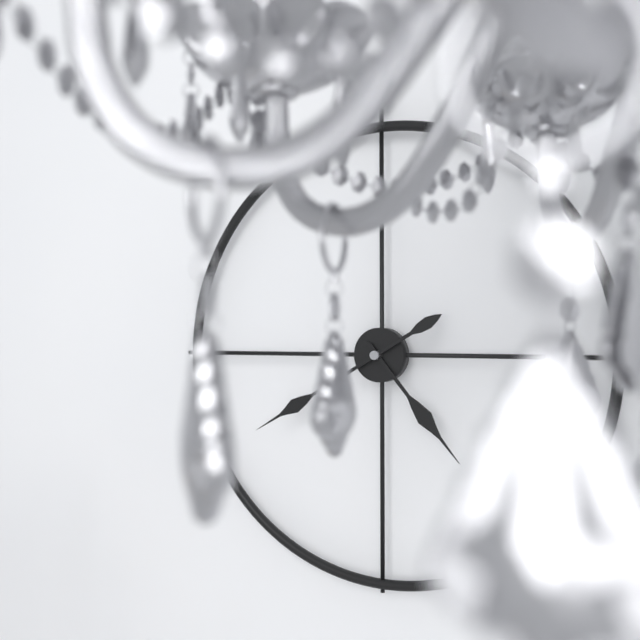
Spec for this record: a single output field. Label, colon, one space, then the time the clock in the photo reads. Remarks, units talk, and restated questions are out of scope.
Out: 4:40
